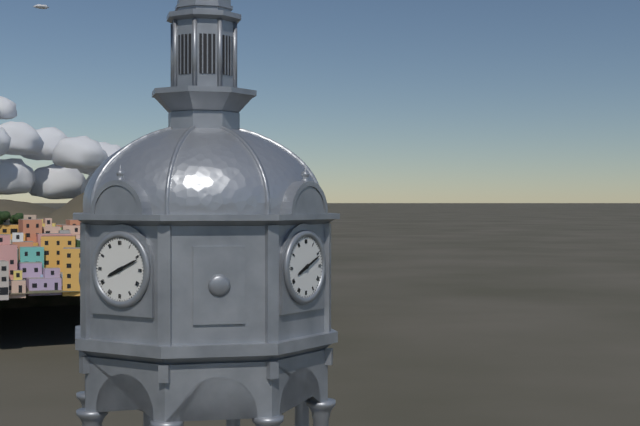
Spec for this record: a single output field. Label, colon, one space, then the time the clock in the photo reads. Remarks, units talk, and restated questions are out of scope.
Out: 8:11
